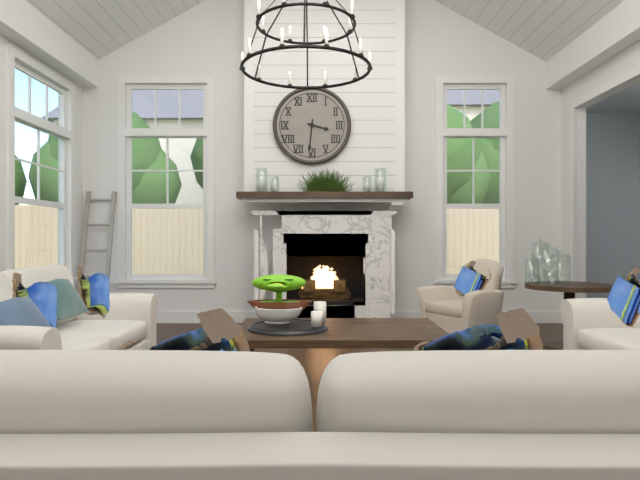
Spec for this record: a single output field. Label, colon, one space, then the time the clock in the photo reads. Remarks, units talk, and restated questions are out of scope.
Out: 3:31
